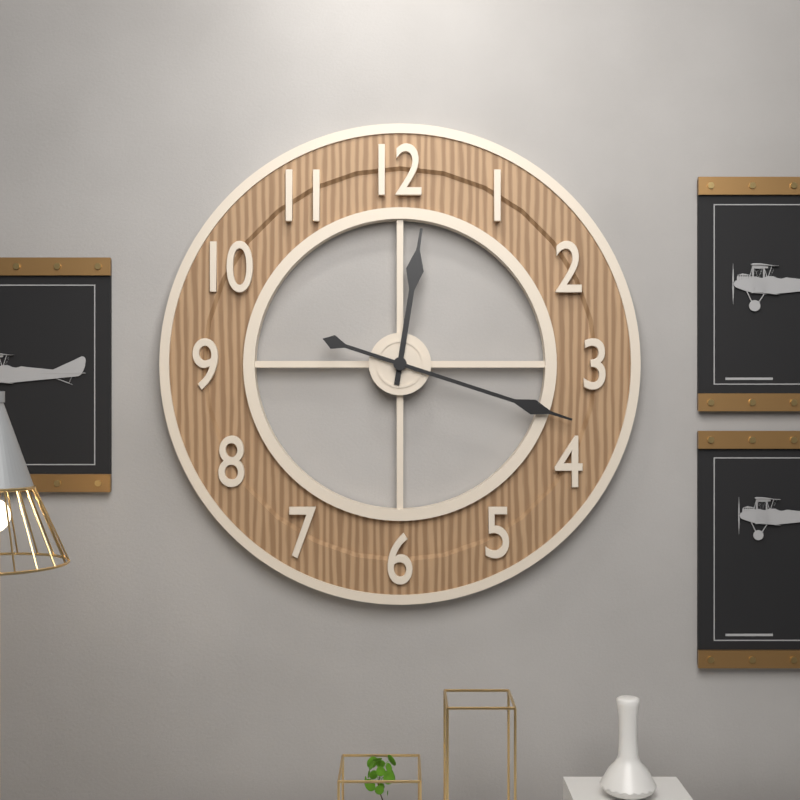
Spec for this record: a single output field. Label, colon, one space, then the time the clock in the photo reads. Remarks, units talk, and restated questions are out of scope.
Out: 12:18
